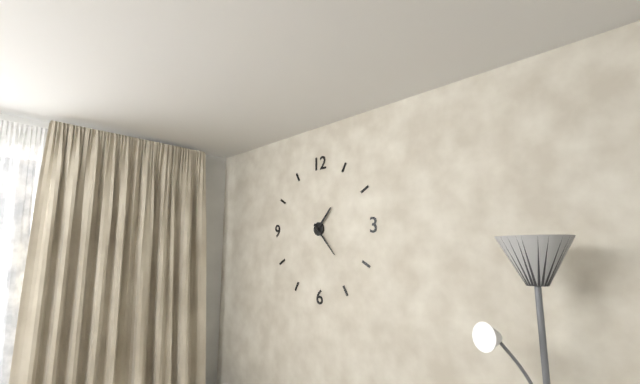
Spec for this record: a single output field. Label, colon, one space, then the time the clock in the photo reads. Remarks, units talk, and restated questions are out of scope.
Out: 1:23
